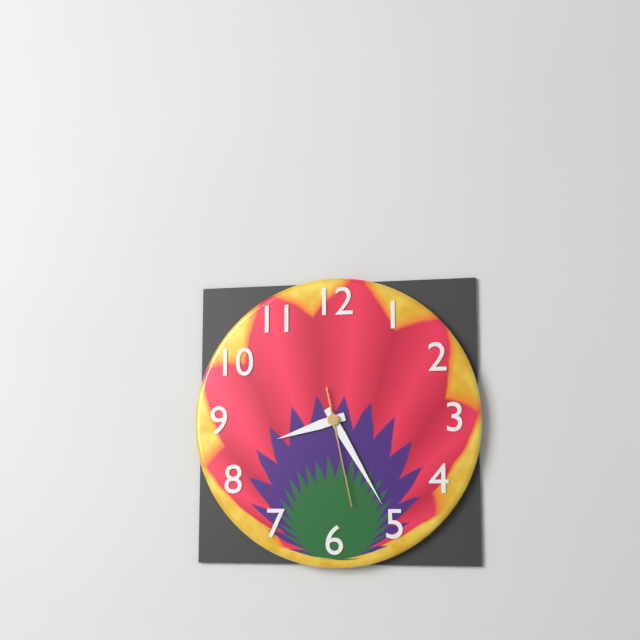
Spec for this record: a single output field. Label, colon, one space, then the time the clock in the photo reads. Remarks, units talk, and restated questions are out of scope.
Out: 8:25:28
